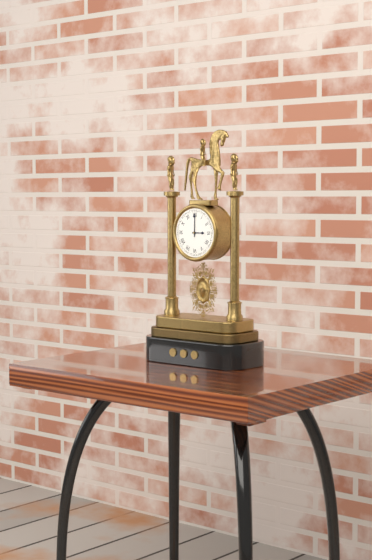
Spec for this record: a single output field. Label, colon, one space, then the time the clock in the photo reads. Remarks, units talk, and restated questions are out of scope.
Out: 3:00
